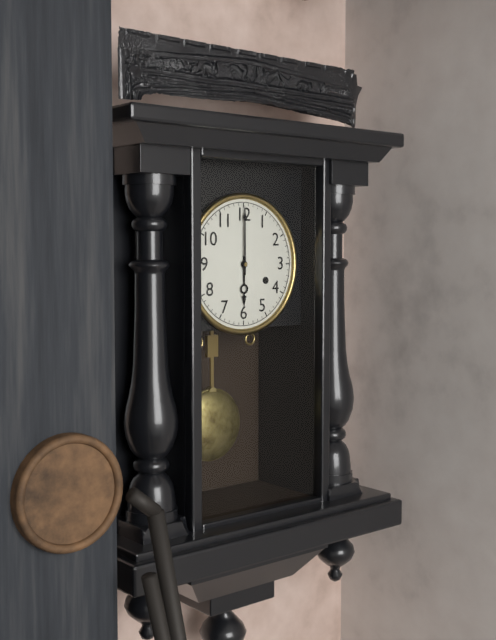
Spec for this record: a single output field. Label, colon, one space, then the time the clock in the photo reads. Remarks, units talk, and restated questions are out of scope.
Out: 6:00
